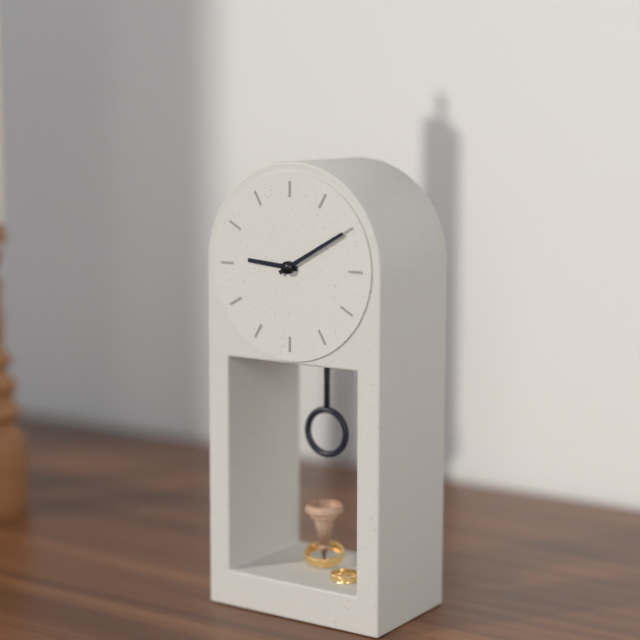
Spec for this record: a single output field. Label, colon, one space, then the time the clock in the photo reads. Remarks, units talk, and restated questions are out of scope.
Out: 9:10
